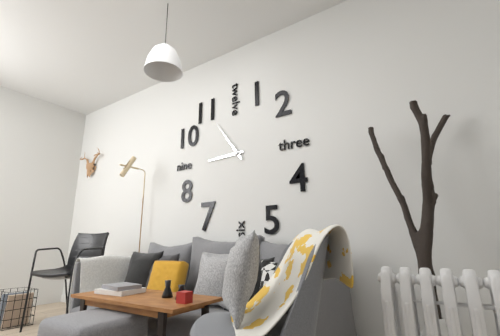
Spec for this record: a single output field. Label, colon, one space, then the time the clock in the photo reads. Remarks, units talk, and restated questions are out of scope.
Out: 8:54
